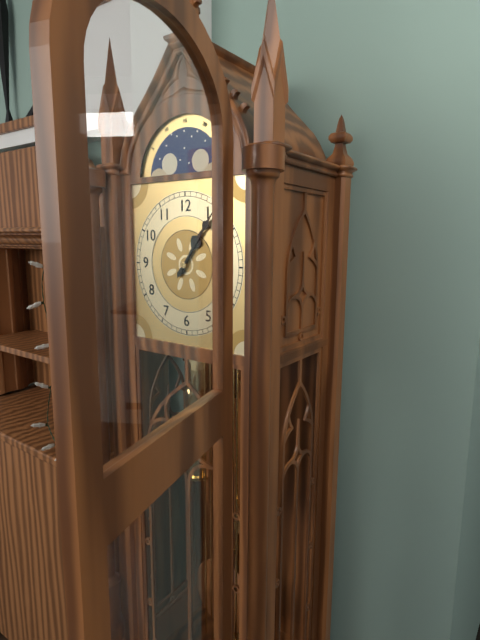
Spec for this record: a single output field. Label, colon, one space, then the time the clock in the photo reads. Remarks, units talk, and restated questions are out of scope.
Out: 1:06
